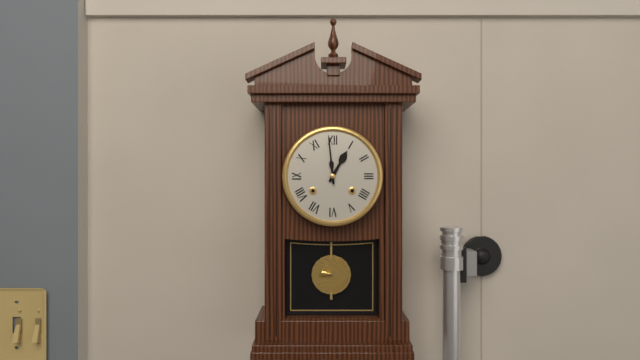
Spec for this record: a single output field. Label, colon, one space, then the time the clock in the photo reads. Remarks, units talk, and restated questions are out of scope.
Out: 12:59
